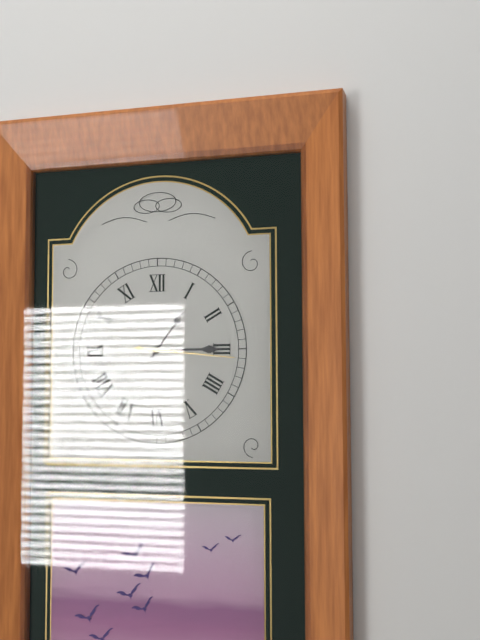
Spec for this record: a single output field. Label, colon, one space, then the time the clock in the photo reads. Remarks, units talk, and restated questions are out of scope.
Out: 1:15:16
